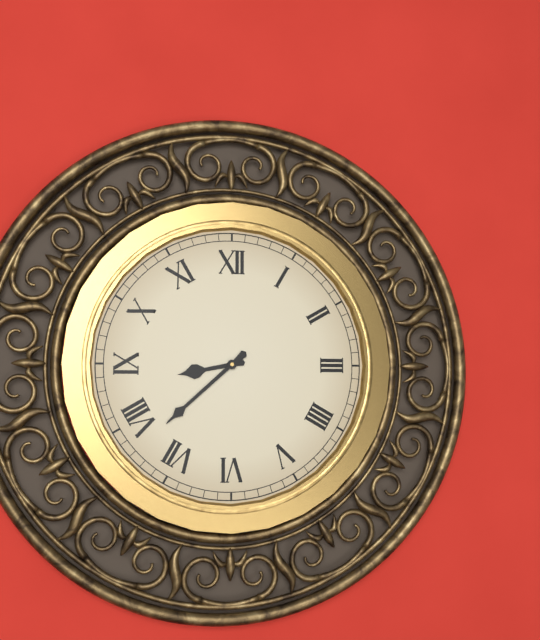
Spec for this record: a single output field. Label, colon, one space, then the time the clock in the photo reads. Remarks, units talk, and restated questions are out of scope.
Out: 8:38
